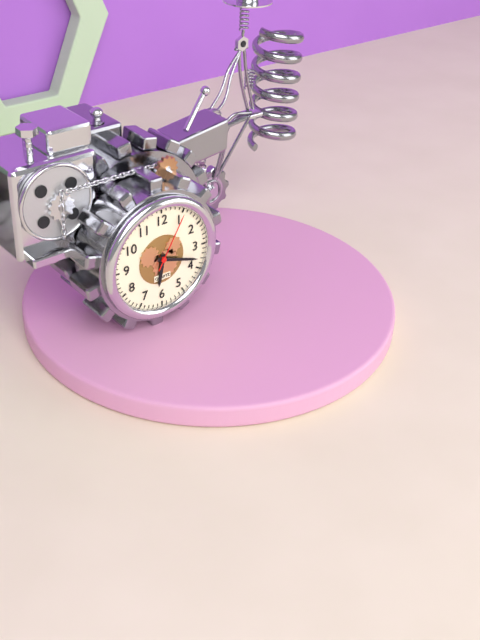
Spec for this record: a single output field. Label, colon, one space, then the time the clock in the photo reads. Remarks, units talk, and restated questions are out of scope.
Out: 6:18:05
